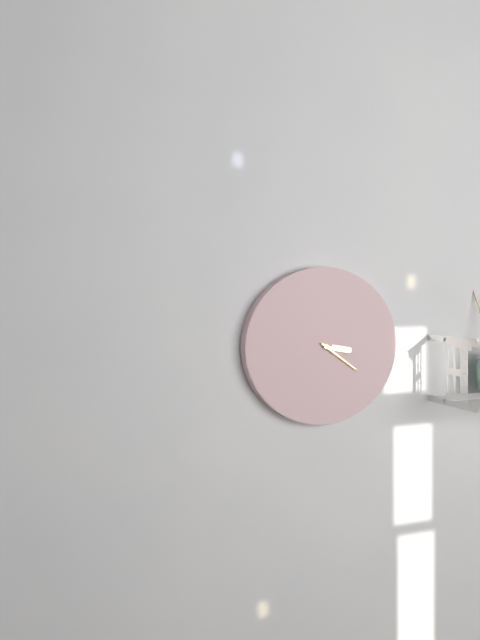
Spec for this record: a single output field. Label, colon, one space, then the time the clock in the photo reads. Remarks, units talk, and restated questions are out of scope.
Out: 3:21
